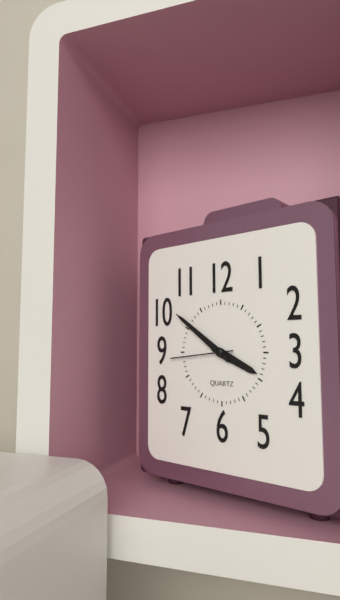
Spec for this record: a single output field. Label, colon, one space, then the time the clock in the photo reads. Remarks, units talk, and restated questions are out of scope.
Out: 3:51:44
